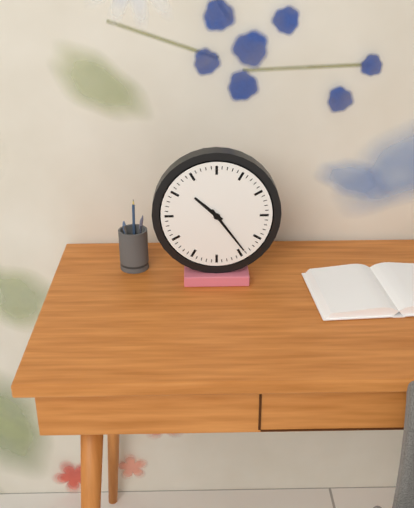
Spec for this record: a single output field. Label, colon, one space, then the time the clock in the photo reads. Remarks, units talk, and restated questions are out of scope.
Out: 10:24
